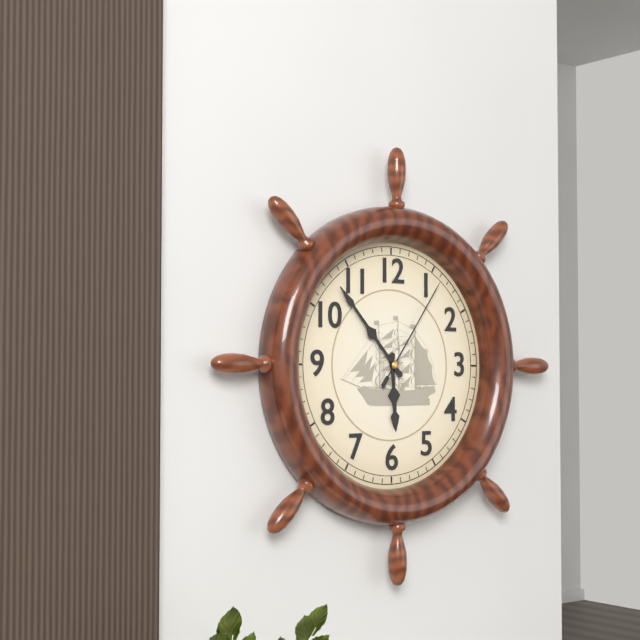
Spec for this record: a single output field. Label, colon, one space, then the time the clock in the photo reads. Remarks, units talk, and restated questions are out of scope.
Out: 5:53:06
